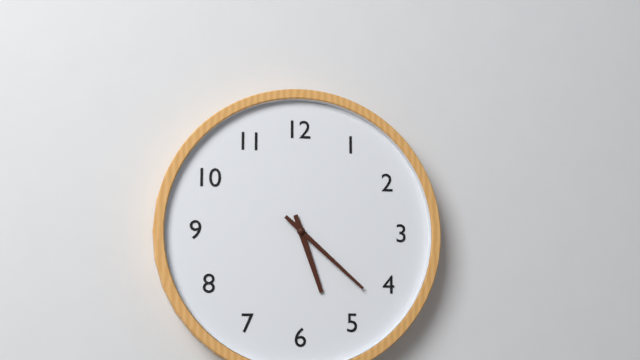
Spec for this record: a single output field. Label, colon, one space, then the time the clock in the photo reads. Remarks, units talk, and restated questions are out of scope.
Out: 5:22
